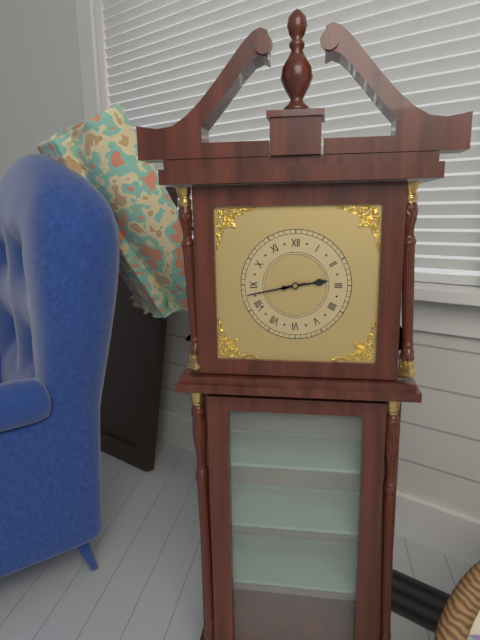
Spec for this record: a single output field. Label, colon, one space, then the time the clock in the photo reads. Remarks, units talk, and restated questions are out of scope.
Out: 2:43
